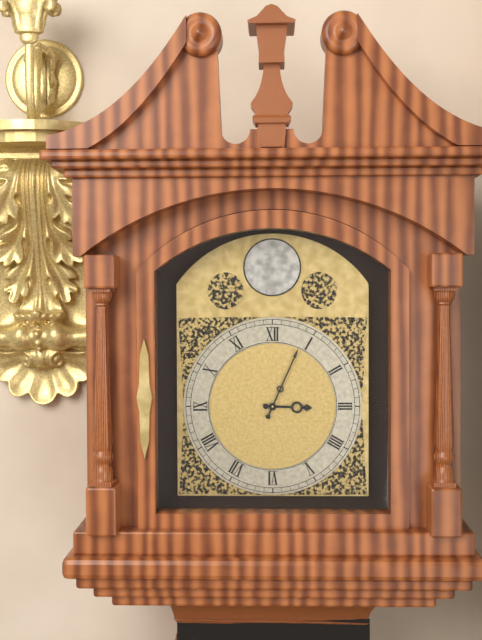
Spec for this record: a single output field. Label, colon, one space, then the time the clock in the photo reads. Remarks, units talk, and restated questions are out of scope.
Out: 3:04
